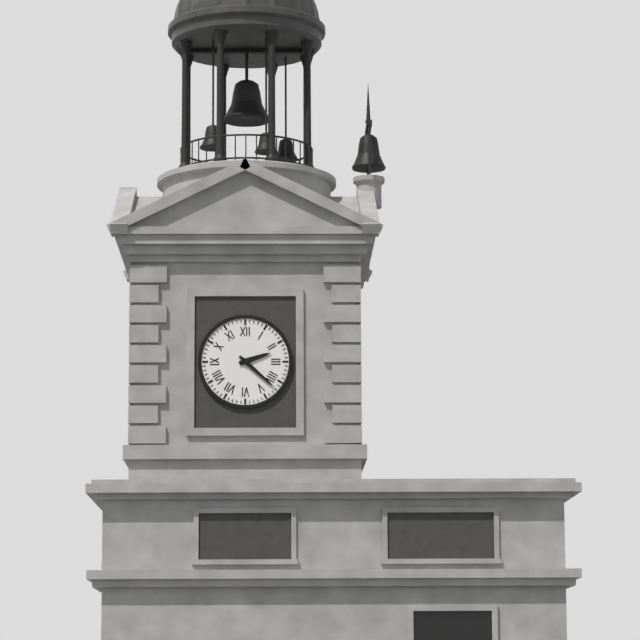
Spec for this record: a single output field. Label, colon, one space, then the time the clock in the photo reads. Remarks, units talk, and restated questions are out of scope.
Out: 2:22
